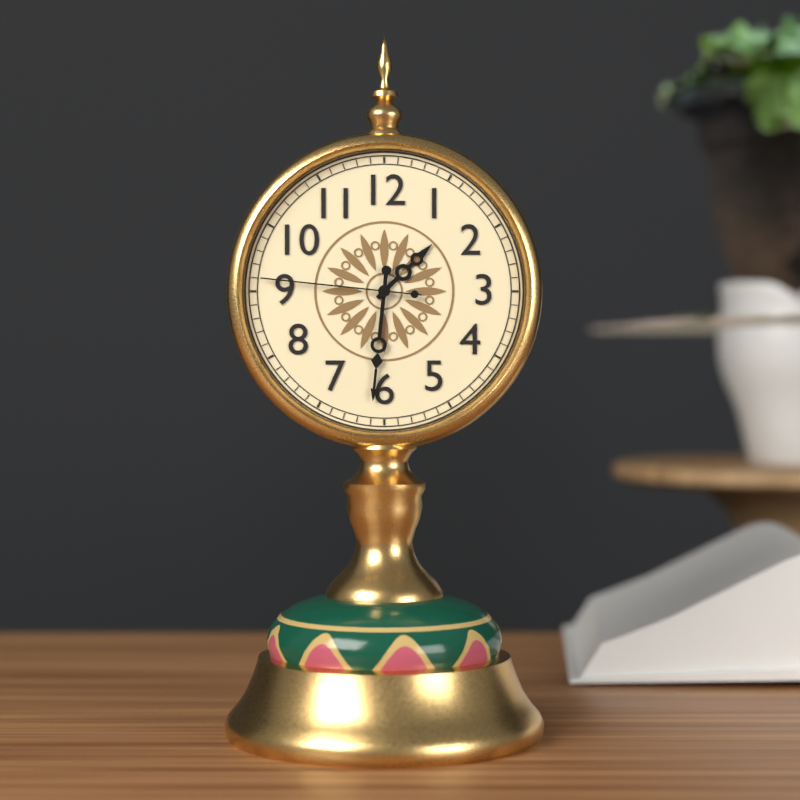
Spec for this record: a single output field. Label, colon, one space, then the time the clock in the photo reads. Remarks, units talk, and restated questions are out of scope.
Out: 1:31:46
